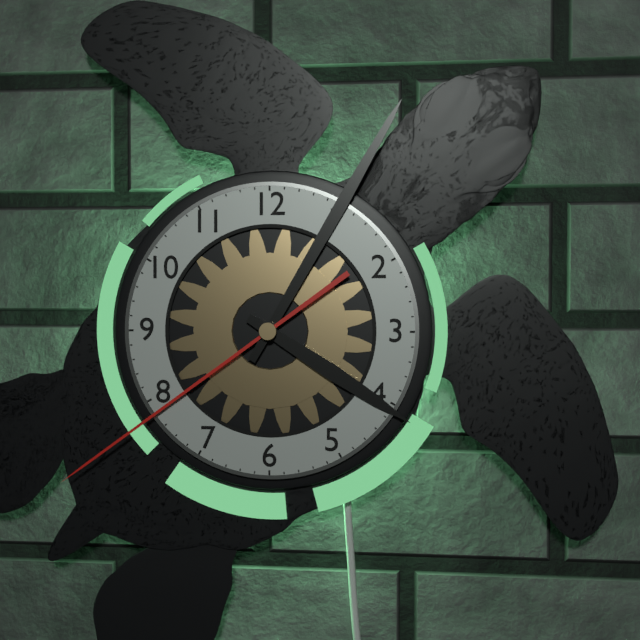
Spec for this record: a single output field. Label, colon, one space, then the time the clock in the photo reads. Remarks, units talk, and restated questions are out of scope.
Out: 4:05:39
